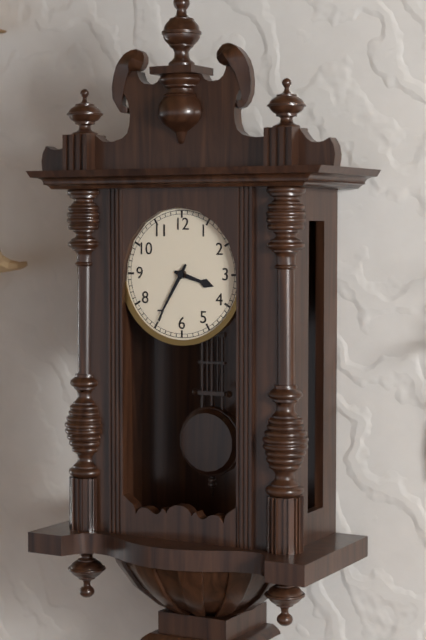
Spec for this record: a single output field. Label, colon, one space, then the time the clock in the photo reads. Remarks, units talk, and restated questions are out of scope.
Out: 3:35
